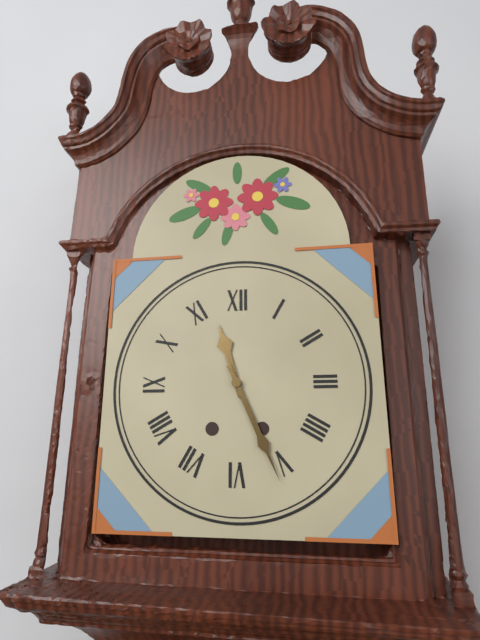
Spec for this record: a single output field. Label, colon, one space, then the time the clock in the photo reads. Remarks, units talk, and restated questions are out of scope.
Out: 11:26
